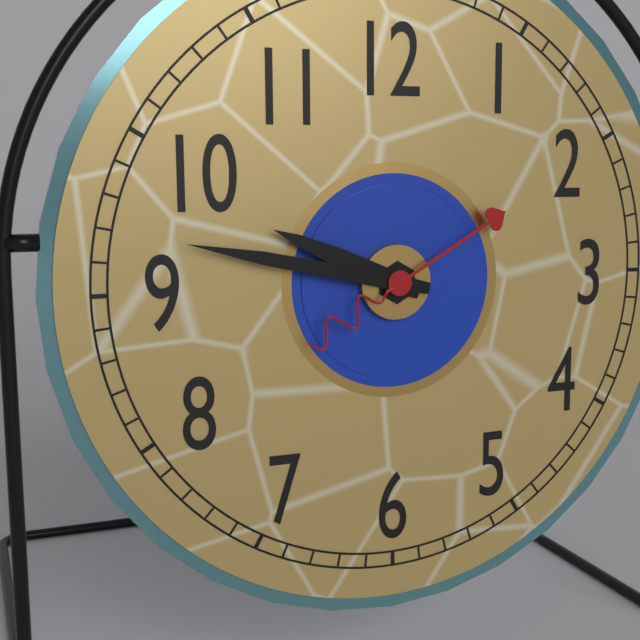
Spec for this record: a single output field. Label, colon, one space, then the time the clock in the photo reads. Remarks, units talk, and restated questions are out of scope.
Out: 9:47:10
